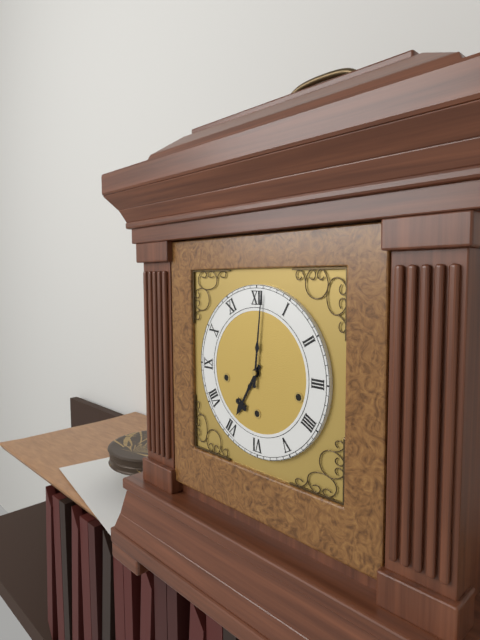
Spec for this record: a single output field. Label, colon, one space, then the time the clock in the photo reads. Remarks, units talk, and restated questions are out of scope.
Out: 7:01
